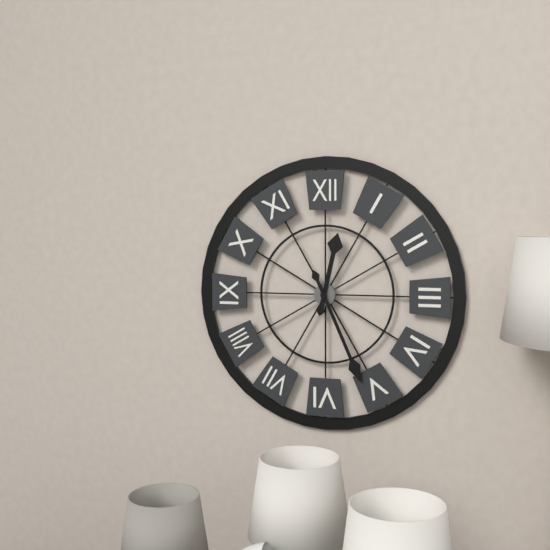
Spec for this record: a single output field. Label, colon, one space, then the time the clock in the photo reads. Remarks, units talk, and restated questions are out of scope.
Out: 12:26
